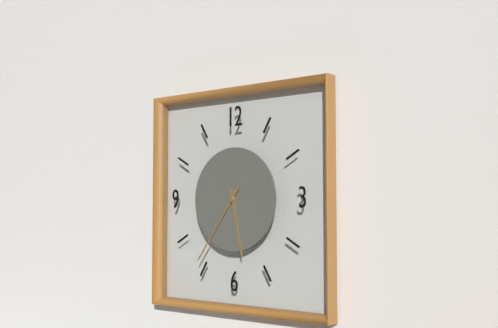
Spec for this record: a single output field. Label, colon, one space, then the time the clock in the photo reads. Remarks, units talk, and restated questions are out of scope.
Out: 5:36
